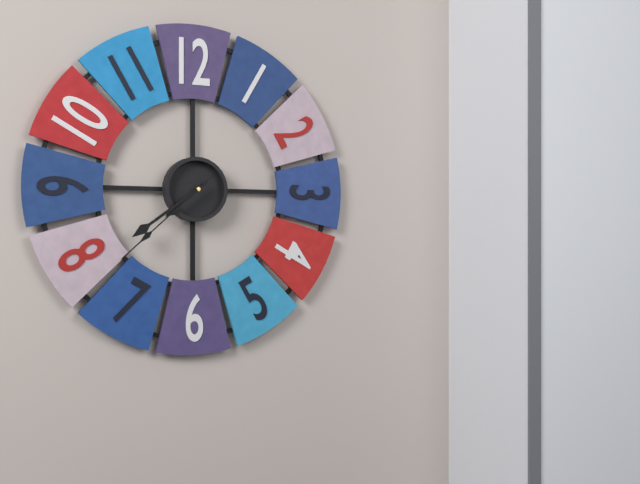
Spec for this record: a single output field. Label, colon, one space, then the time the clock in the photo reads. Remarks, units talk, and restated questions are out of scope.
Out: 7:39:38
